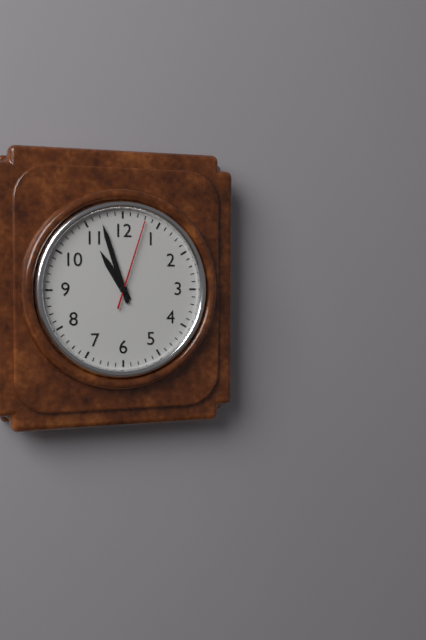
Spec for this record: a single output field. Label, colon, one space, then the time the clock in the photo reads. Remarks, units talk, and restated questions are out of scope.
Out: 10:57:03
